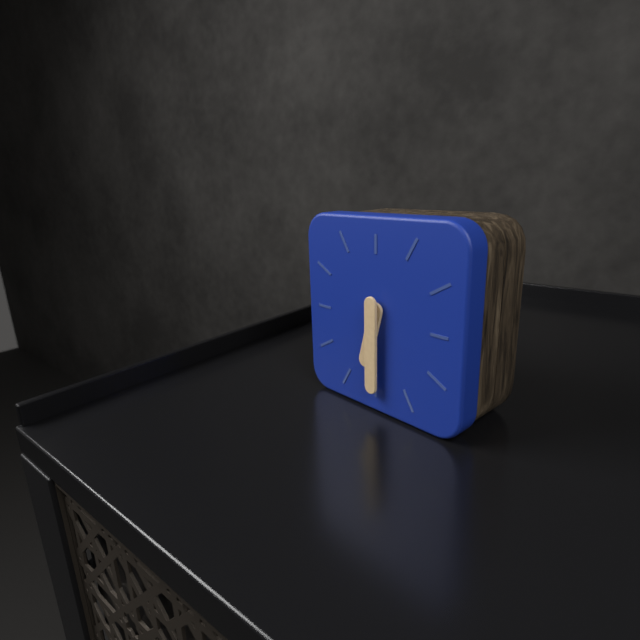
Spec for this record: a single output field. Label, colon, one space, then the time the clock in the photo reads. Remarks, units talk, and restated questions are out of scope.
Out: 6:30
